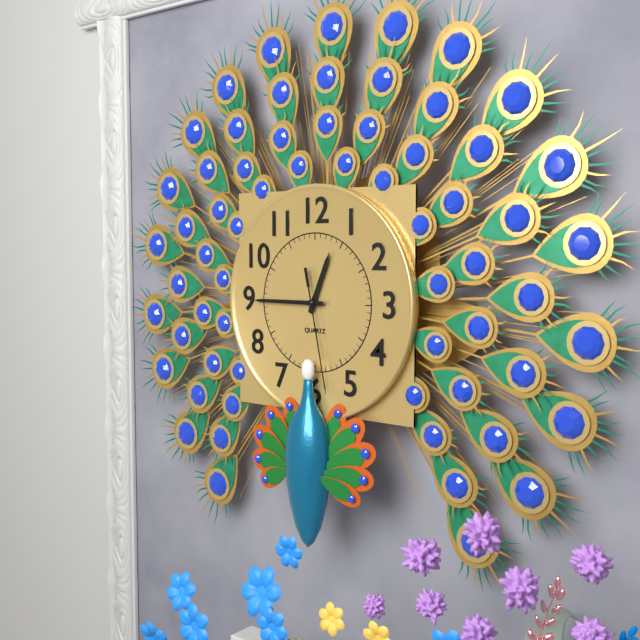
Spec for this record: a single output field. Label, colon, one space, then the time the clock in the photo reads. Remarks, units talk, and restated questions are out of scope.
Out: 12:45:28
